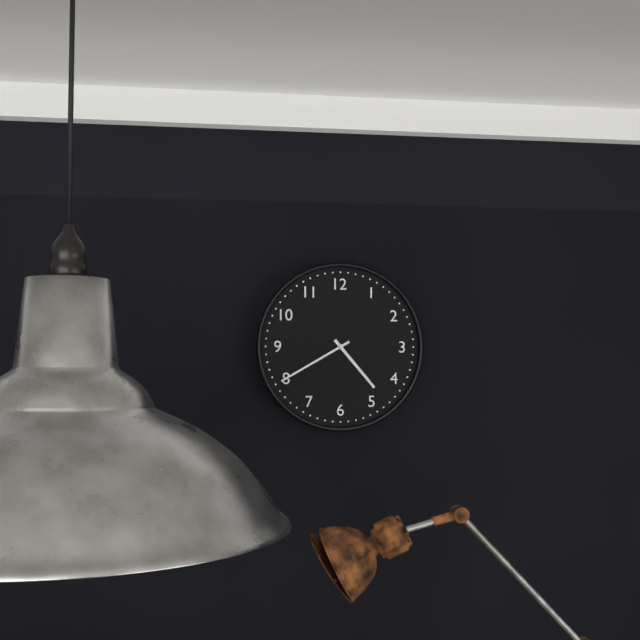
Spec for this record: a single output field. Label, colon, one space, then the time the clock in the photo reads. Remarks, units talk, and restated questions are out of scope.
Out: 4:40
